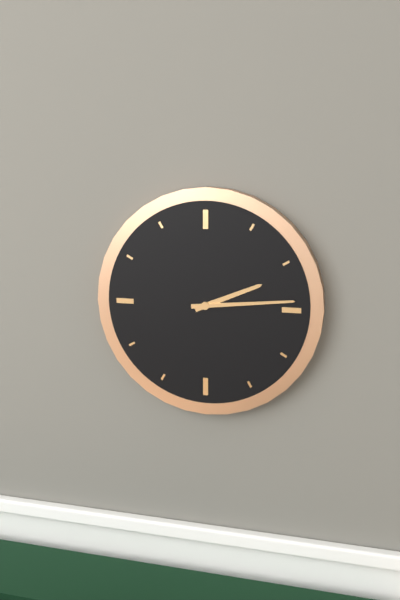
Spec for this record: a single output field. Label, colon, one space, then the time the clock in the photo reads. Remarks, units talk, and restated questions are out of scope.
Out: 2:14
